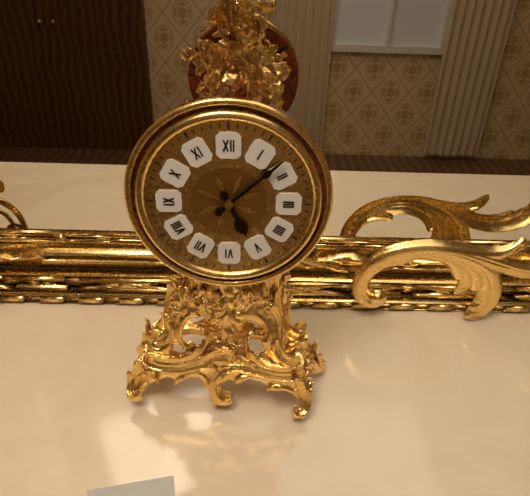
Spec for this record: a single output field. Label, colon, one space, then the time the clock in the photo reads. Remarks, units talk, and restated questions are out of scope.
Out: 5:08
